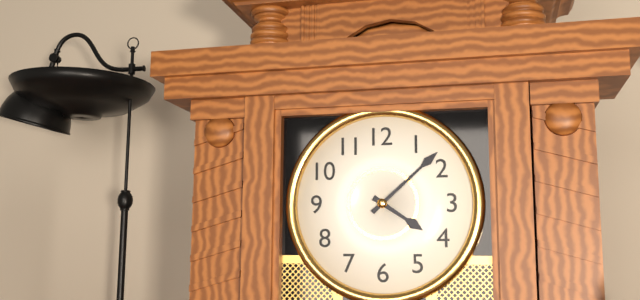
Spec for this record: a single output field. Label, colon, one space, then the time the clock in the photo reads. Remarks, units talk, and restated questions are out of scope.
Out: 4:08
